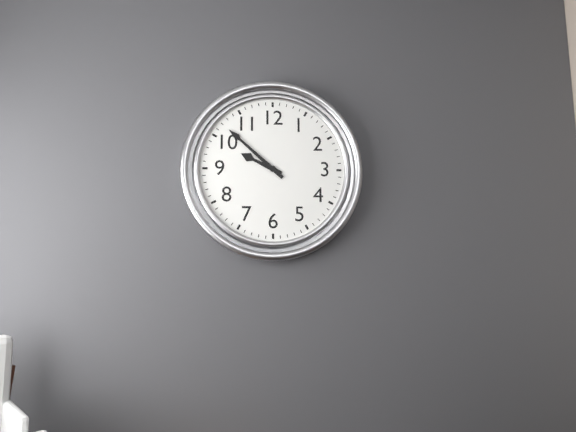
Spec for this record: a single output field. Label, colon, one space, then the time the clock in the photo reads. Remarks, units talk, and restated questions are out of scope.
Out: 9:52
